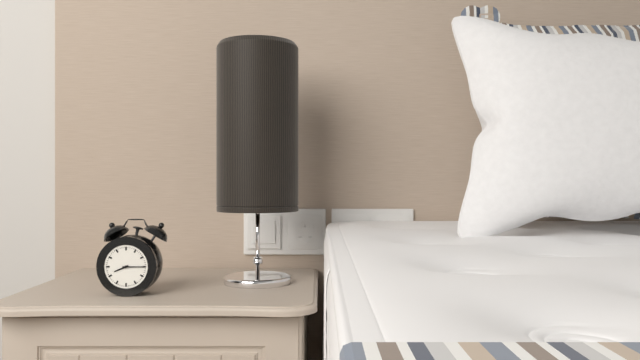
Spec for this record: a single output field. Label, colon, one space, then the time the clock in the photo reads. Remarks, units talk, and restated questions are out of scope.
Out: 8:15
